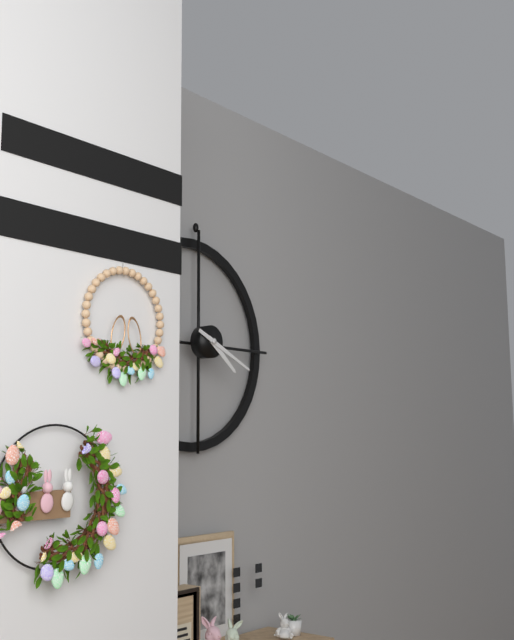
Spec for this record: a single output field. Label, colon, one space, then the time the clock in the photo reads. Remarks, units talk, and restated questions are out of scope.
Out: 4:19
